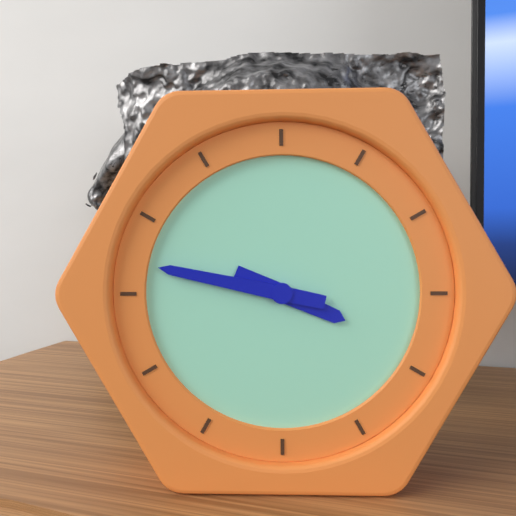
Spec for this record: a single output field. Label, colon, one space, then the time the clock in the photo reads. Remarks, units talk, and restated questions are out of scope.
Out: 3:47
